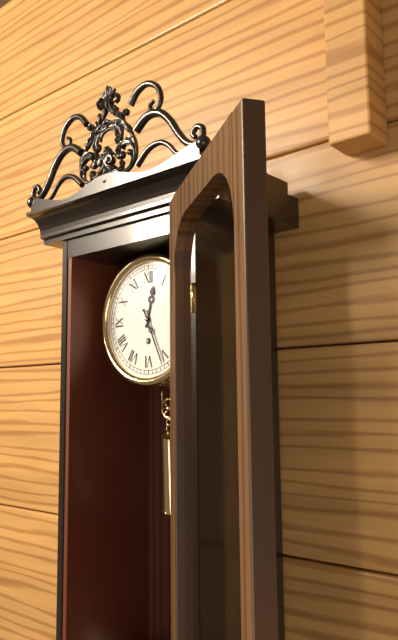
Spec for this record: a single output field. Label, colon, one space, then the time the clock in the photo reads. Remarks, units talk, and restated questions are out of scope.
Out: 12:26
